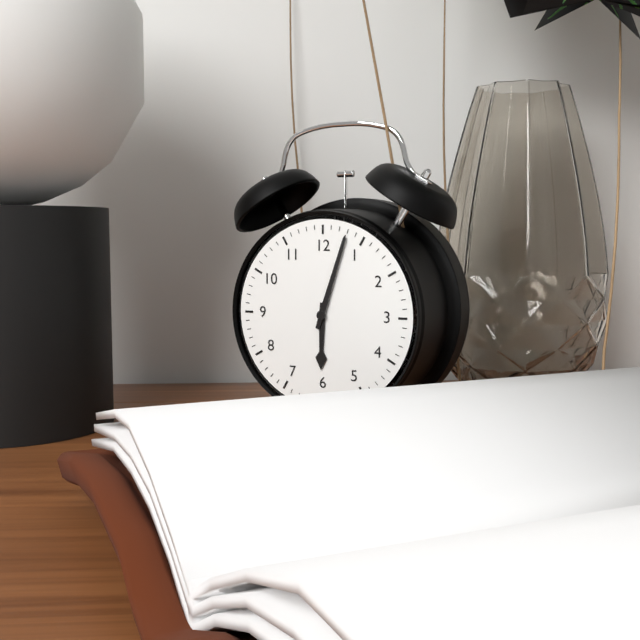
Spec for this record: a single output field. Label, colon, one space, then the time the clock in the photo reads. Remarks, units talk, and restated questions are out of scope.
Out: 6:03
